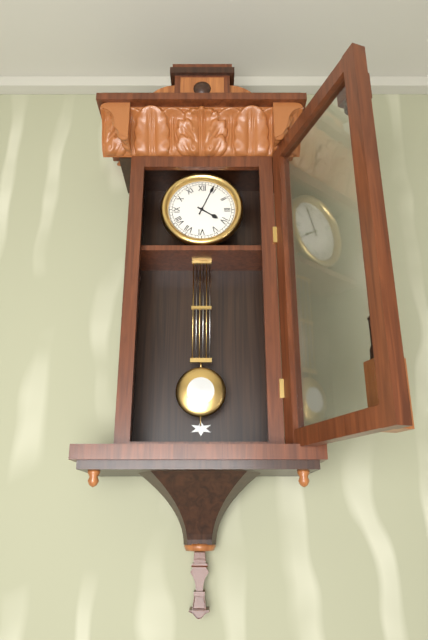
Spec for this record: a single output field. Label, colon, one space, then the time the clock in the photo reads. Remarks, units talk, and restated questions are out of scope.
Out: 4:04
